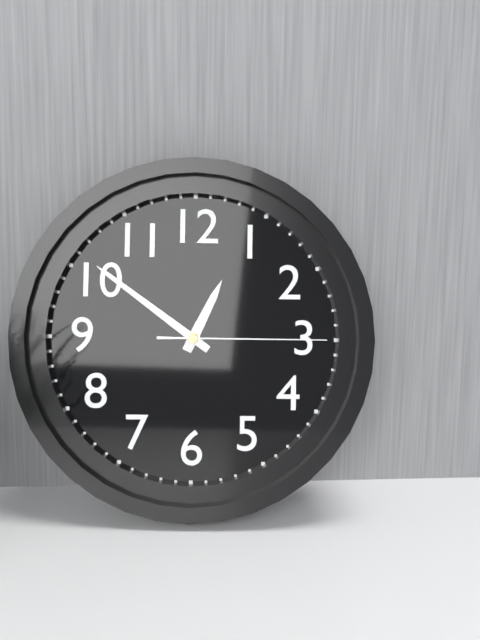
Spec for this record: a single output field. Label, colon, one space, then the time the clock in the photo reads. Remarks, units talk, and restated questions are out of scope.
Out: 12:51:15
